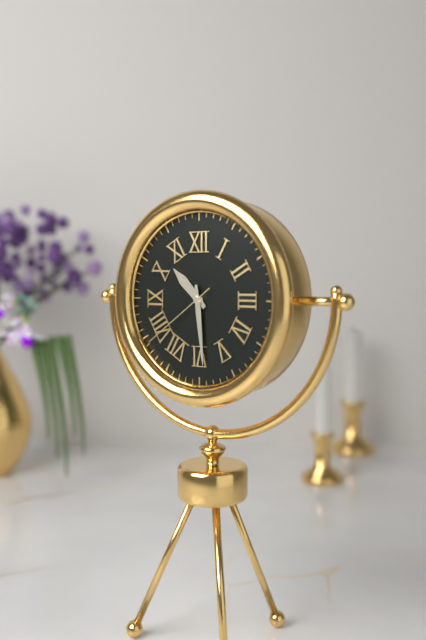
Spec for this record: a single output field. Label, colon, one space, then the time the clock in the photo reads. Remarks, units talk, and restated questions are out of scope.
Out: 10:29:39
